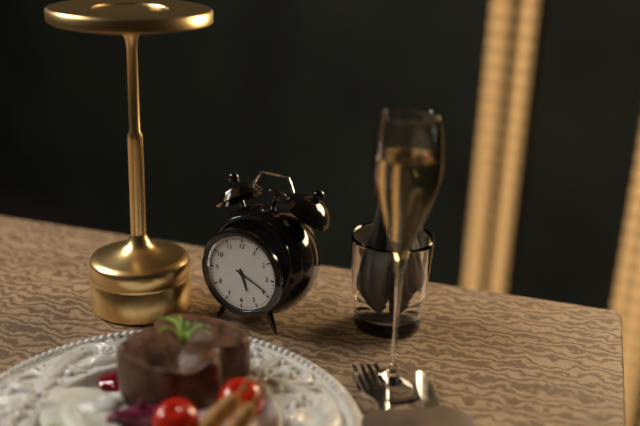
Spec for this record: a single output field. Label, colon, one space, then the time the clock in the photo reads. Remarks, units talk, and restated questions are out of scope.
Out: 5:19
